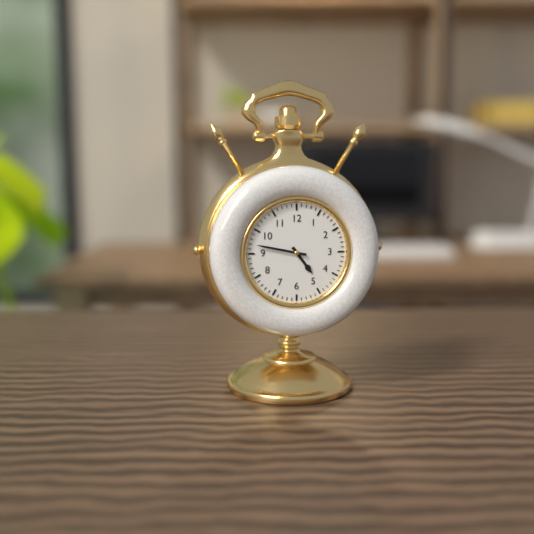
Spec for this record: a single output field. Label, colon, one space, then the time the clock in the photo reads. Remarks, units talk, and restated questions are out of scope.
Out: 4:47
